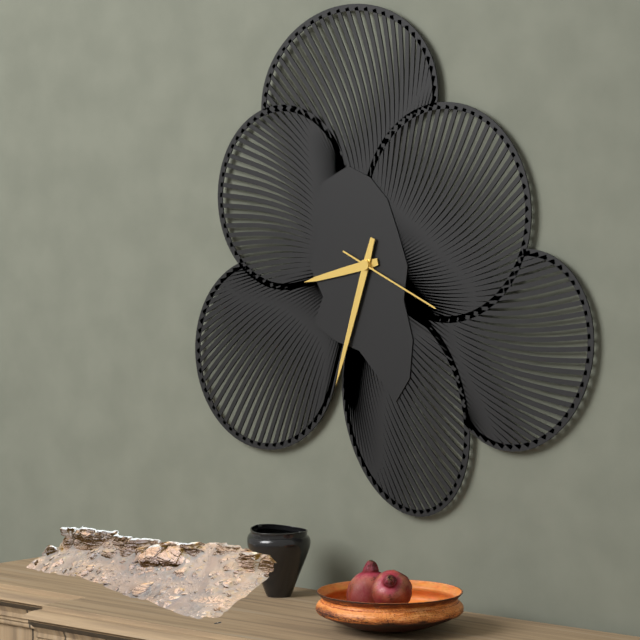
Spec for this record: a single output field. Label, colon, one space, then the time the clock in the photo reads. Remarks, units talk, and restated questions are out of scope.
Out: 8:33:19
